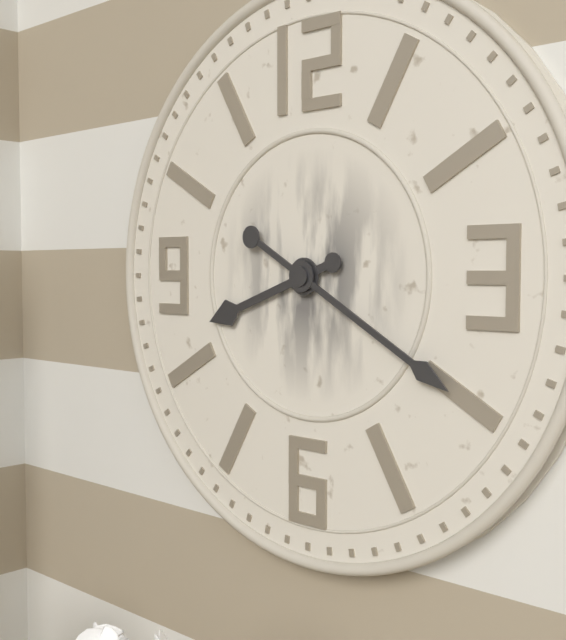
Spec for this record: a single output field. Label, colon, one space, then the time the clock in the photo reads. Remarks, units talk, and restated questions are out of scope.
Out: 8:20
